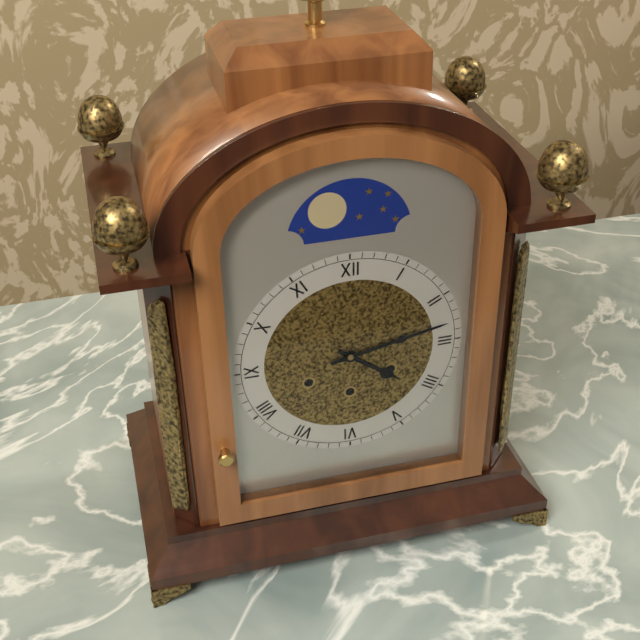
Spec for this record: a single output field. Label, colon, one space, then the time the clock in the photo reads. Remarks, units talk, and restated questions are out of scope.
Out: 4:13
